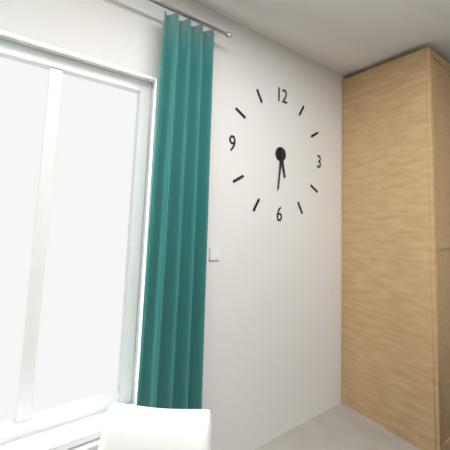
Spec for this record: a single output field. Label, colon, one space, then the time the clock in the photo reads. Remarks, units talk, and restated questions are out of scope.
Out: 5:31
